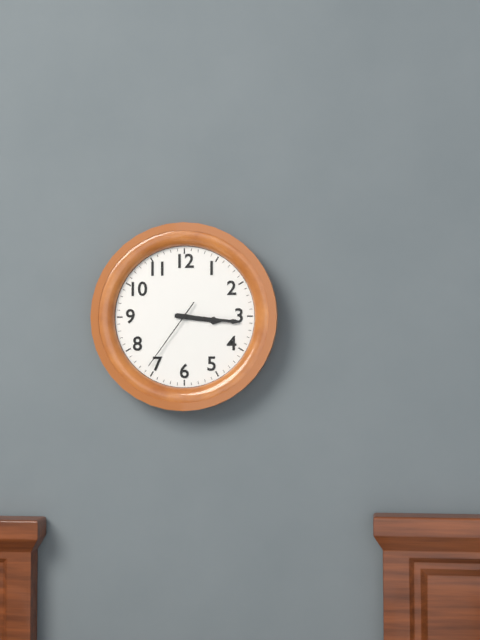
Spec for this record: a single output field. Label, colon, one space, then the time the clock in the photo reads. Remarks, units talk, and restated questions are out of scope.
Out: 3:16:36
